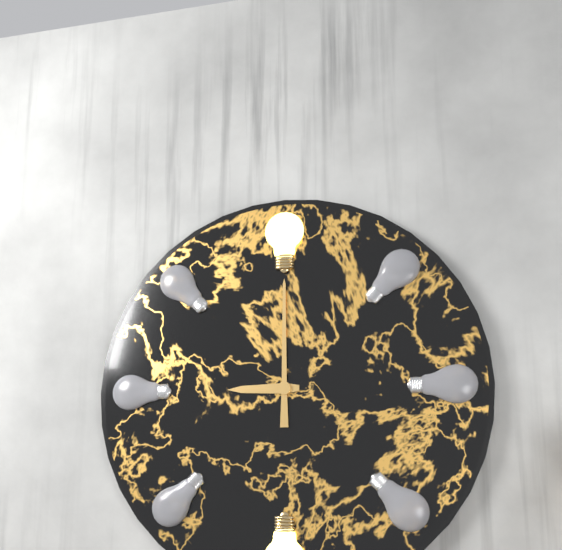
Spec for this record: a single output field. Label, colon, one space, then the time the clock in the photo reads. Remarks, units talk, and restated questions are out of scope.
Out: 9:00
